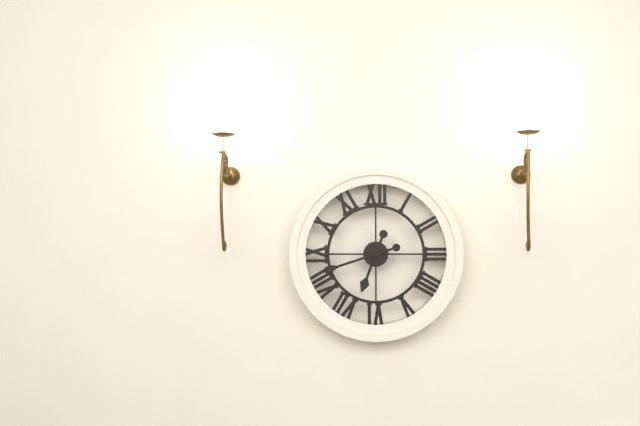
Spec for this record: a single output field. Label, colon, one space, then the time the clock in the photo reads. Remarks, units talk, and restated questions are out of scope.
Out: 6:42
